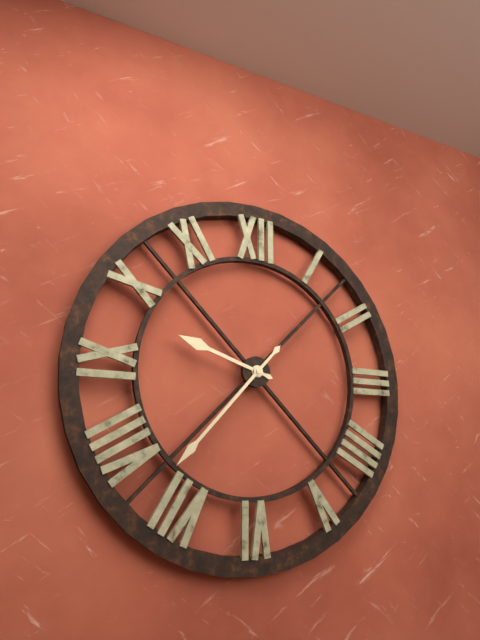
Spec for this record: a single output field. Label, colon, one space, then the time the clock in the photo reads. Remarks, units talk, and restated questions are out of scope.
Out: 9:37
